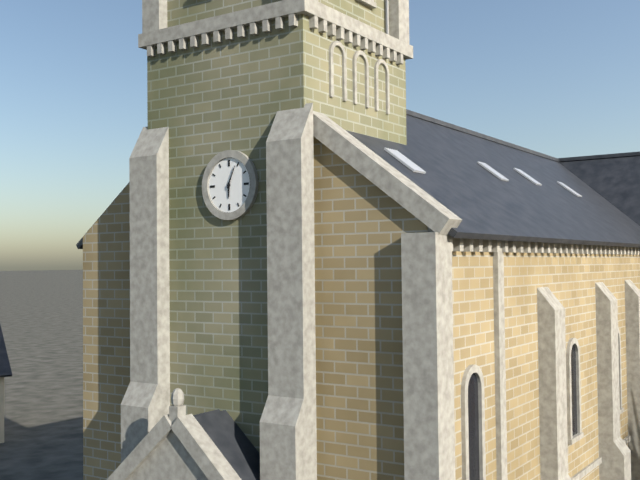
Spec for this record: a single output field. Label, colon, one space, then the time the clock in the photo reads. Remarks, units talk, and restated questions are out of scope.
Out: 6:04
